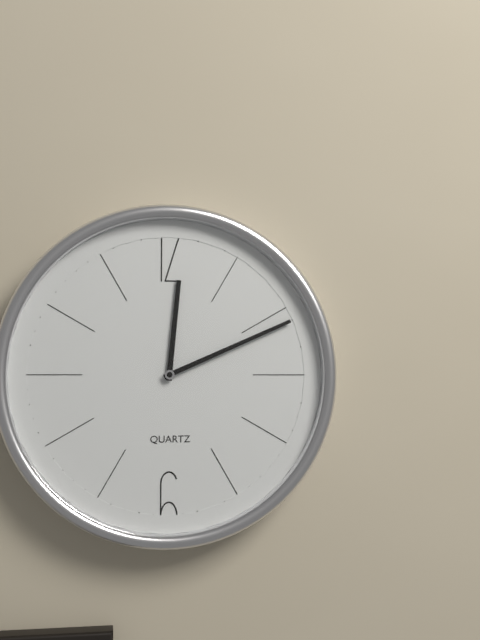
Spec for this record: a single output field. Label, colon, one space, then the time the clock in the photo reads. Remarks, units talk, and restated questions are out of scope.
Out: 12:11
